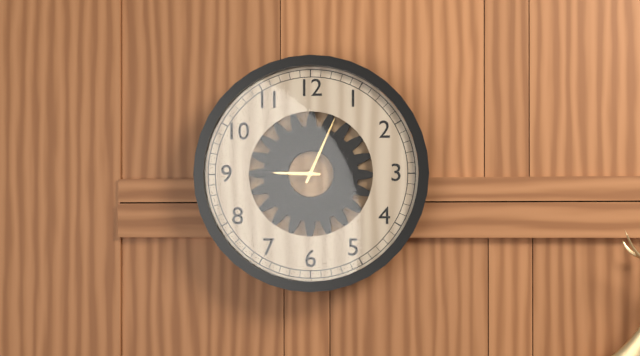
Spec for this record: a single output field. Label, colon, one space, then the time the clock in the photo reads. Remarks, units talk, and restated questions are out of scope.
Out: 9:04
